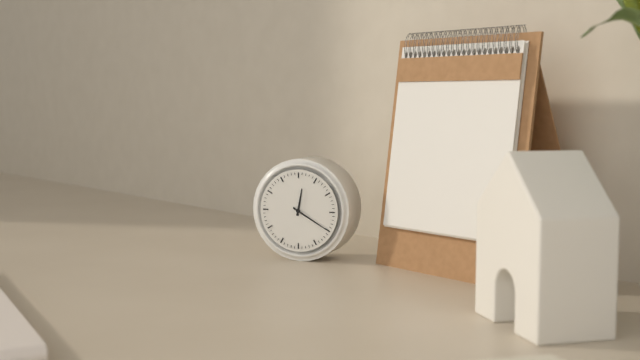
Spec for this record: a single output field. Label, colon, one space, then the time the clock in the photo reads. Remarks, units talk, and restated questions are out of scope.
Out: 12:20
